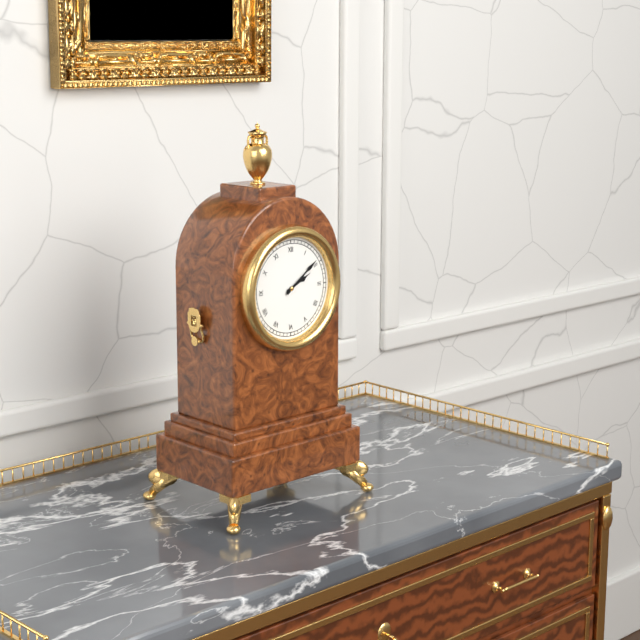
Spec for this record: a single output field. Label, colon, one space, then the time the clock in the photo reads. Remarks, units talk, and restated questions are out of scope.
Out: 2:09
